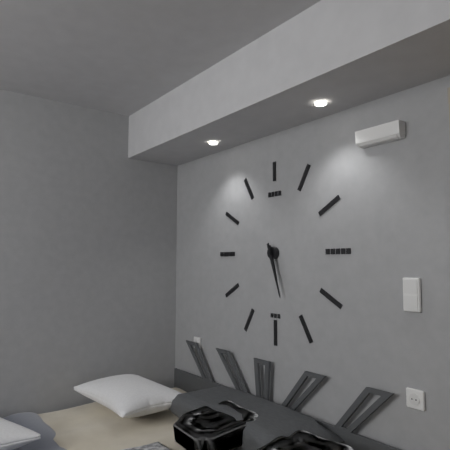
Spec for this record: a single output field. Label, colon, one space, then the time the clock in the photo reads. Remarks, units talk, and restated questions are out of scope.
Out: 5:27
